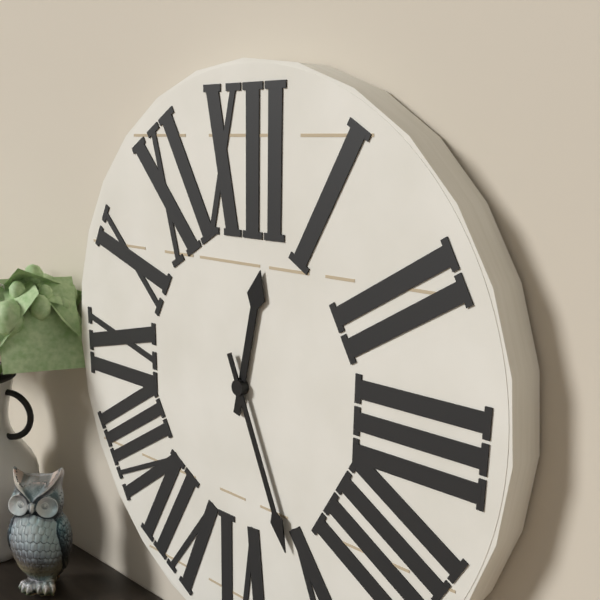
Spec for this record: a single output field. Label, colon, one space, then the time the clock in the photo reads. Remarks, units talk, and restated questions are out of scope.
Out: 12:26
